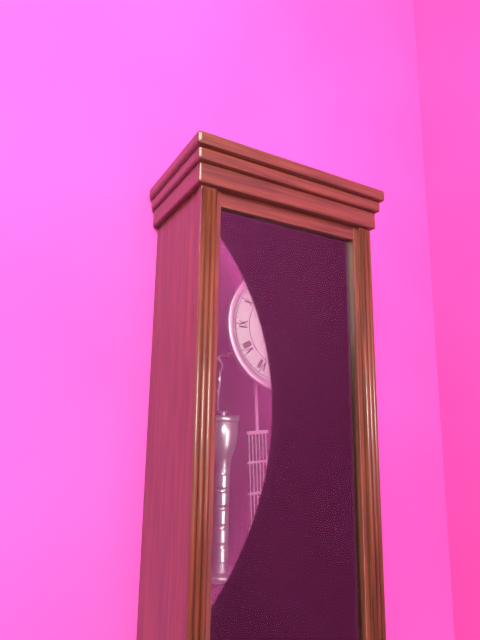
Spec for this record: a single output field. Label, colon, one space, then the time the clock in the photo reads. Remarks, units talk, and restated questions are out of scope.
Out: 12:06
